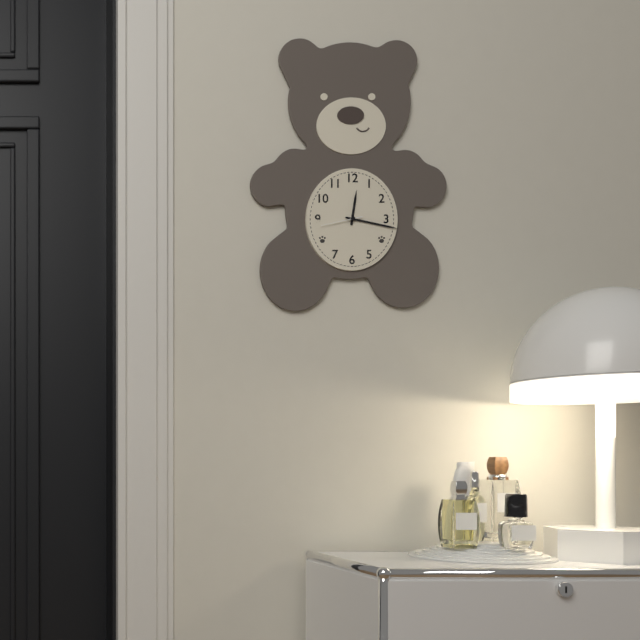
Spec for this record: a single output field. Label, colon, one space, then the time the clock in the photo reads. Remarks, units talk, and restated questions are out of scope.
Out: 12:17
